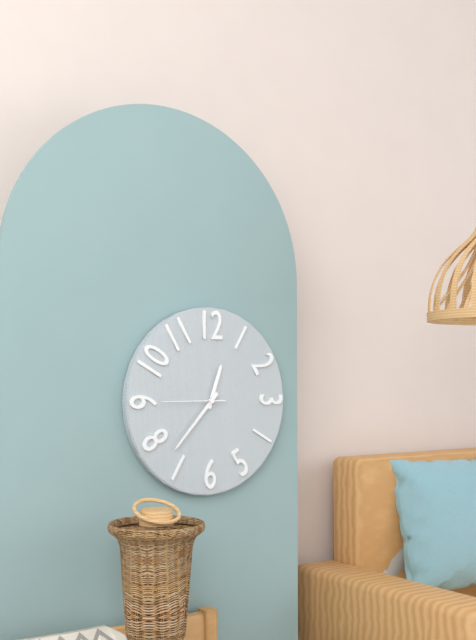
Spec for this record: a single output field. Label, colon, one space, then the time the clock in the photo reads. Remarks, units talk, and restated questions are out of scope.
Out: 12:37:45
